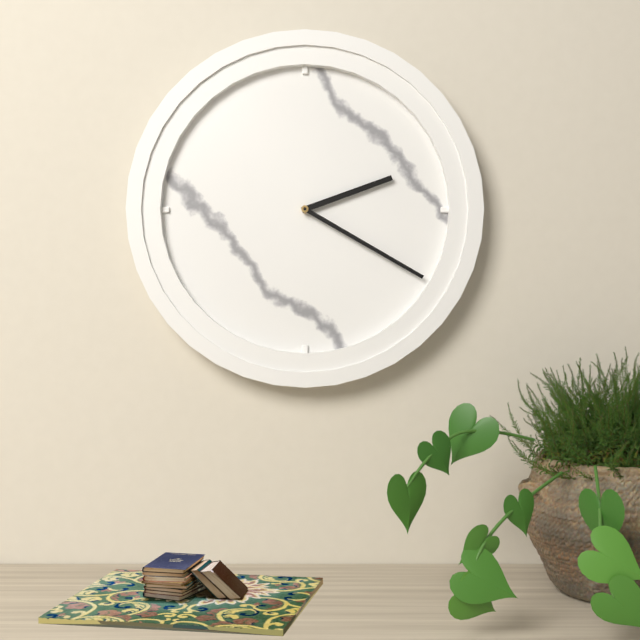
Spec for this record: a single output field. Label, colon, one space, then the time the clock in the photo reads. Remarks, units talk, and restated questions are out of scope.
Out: 2:20
